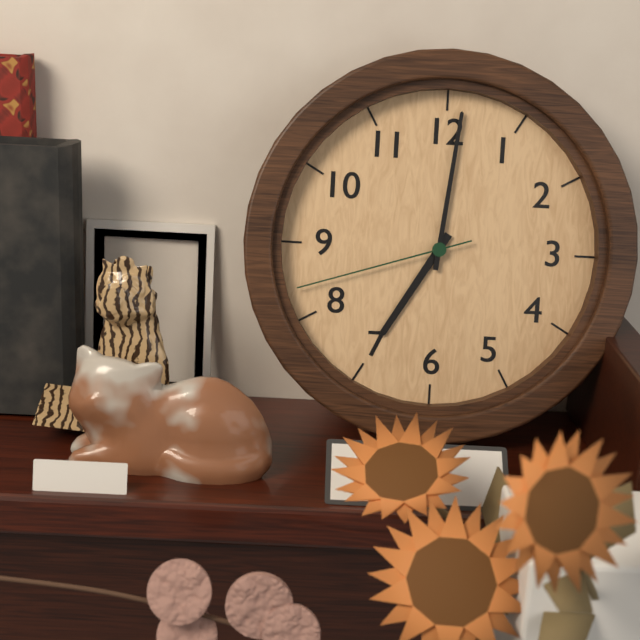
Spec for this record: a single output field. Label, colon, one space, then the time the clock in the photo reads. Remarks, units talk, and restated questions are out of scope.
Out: 7:01:42
